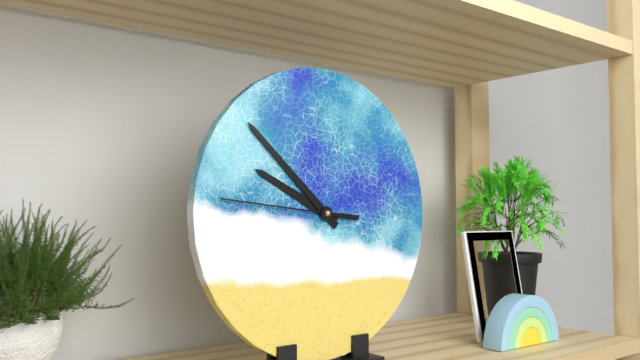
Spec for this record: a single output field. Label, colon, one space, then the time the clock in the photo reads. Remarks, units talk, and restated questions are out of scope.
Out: 9:52:46
